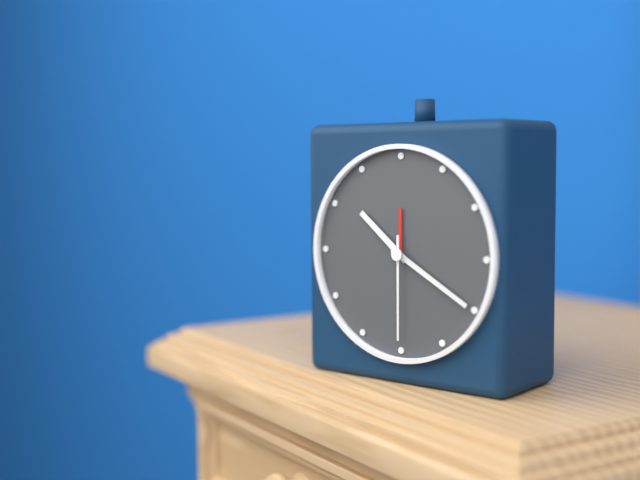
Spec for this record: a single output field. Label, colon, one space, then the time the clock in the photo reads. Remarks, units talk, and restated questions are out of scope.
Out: 10:20:30
